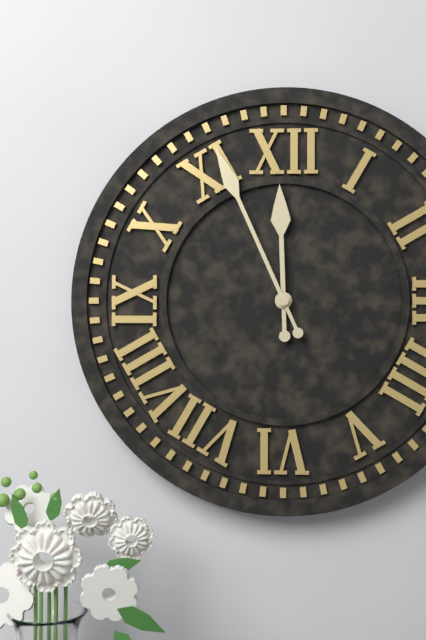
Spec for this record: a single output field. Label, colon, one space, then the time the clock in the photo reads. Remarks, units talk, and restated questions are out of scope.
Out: 11:56
